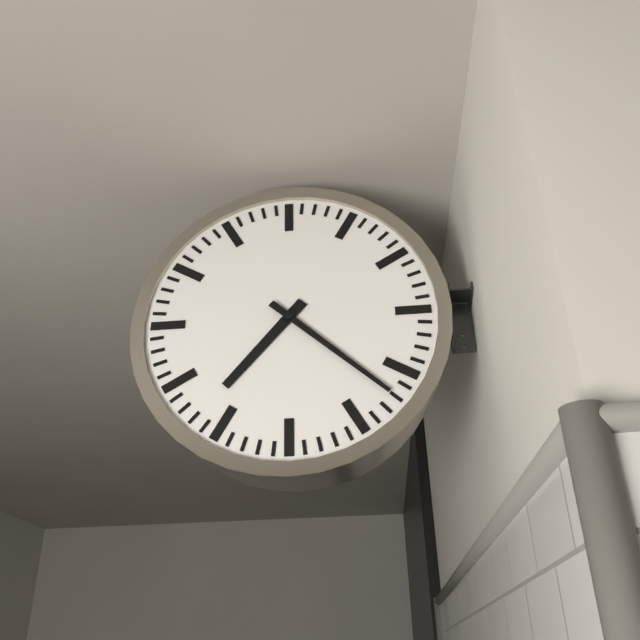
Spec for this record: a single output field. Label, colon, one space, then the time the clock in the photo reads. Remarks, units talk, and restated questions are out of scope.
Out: 7:22
